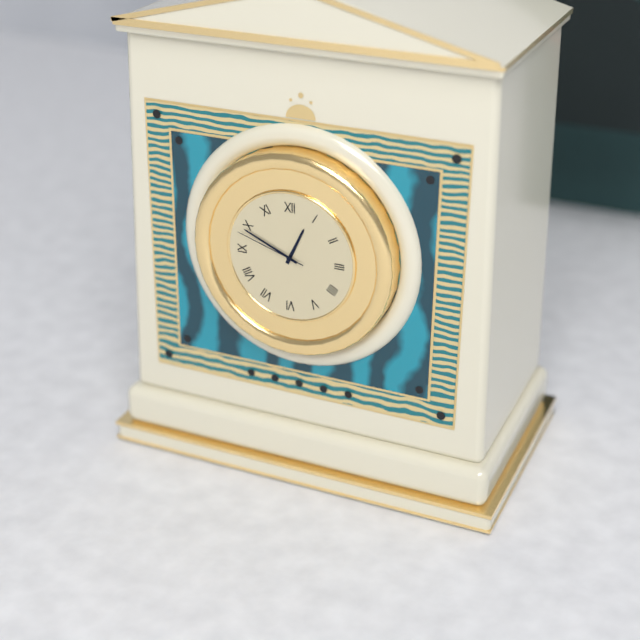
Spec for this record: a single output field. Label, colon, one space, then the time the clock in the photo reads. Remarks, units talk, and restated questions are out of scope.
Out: 12:49:48
